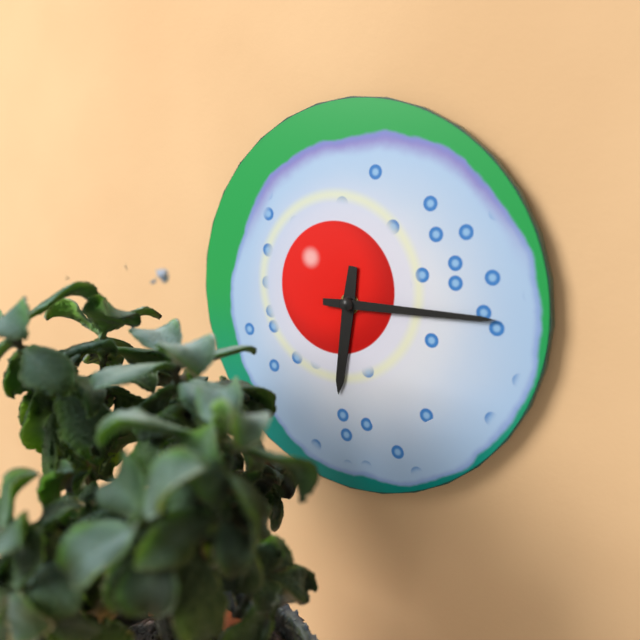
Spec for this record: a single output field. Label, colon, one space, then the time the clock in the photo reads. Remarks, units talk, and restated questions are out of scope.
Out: 6:15
